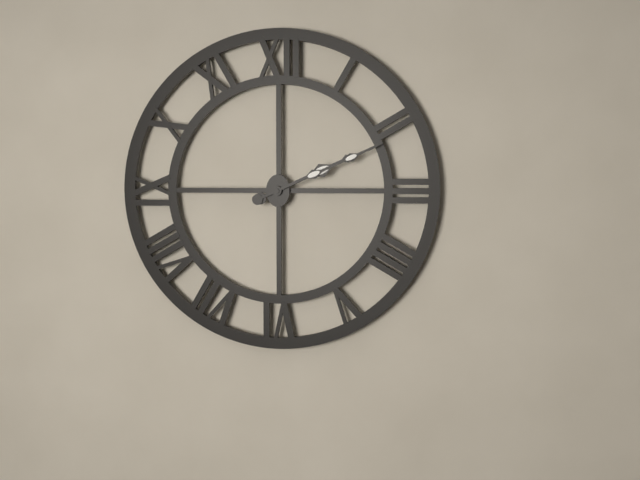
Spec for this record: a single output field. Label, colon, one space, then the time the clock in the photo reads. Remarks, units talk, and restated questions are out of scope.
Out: 2:11
